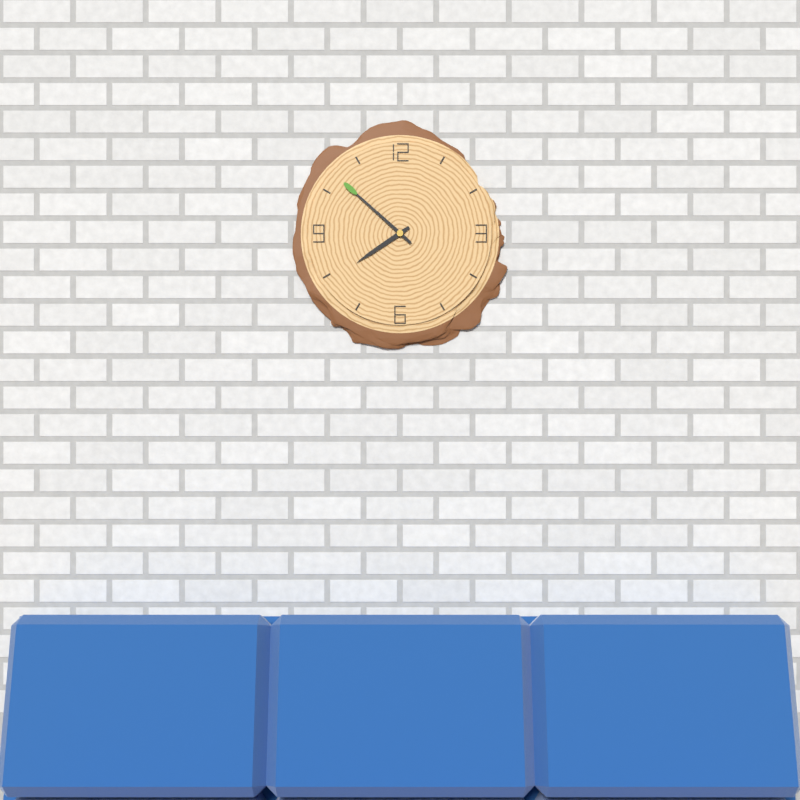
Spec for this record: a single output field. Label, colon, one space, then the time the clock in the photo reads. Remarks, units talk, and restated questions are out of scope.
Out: 7:52
